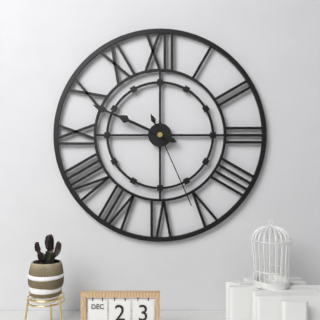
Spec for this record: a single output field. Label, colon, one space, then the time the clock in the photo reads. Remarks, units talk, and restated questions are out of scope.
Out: 9:49:26
